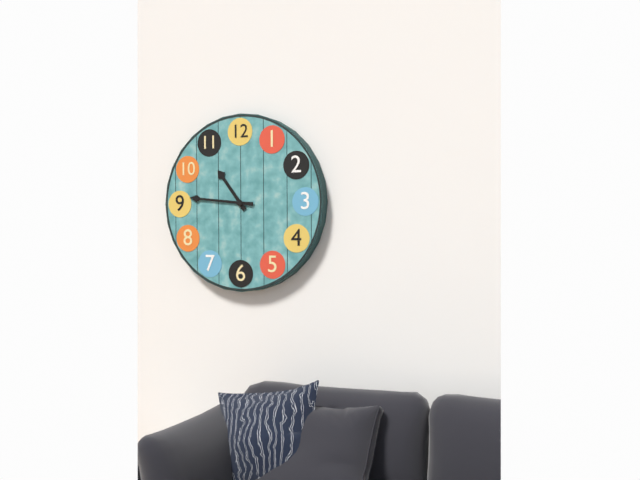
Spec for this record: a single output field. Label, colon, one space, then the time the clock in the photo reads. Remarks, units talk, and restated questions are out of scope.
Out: 10:46
